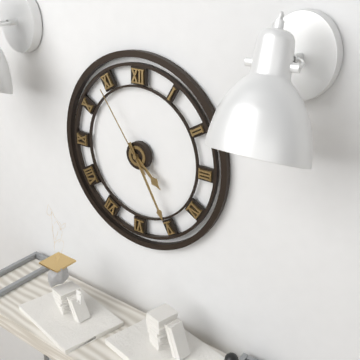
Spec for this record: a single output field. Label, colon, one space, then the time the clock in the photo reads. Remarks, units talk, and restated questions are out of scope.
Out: 4:25:54
